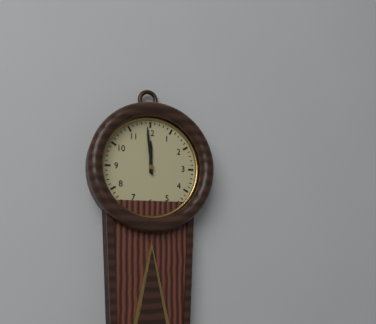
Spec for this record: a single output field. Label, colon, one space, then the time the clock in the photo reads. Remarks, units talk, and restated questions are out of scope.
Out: 11:59
